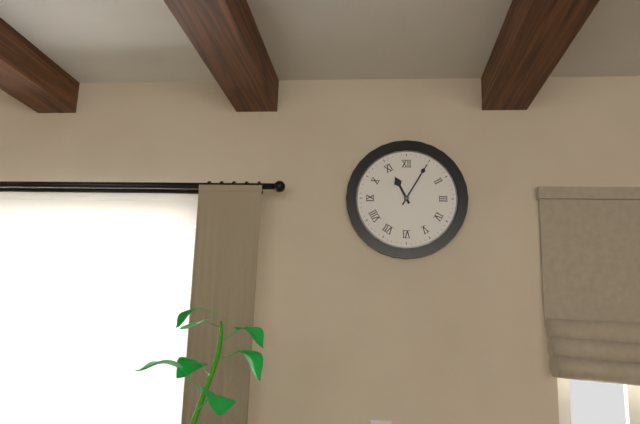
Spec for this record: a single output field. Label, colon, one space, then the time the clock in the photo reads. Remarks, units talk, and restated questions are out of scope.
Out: 11:05
